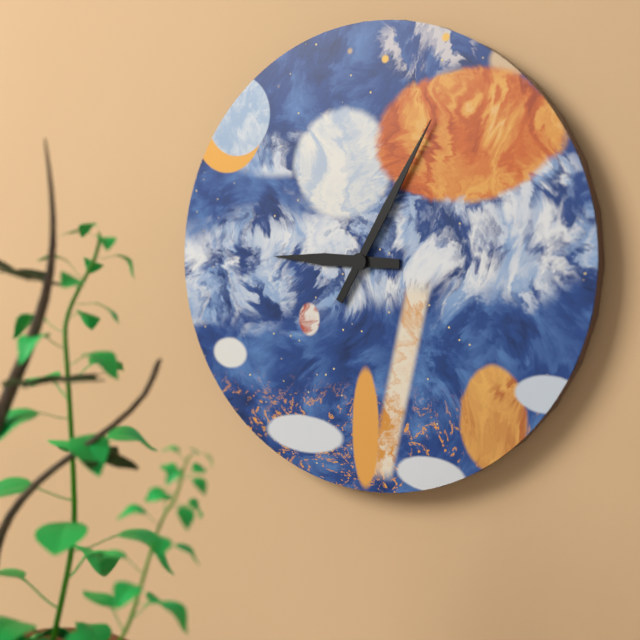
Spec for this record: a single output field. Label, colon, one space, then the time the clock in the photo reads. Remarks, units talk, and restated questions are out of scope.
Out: 9:05
